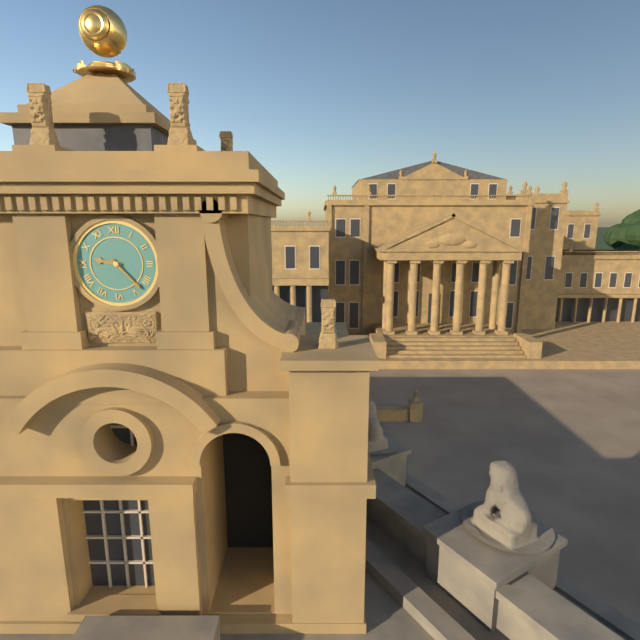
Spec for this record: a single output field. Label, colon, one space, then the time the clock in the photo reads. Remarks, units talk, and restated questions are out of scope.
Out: 9:23
